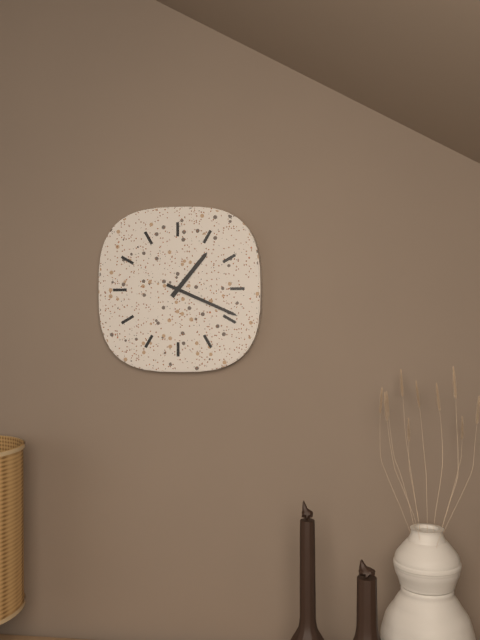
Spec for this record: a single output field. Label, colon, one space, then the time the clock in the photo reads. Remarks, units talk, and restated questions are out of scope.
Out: 1:19
